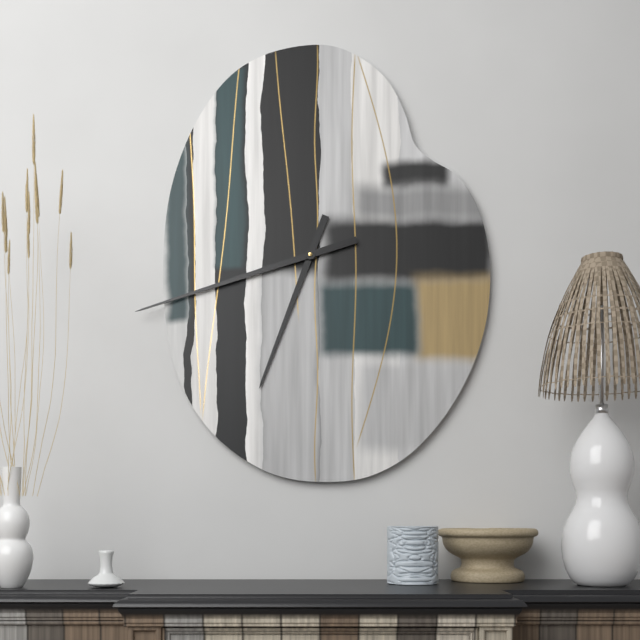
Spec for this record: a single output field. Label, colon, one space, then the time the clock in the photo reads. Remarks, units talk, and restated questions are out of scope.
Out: 6:42
